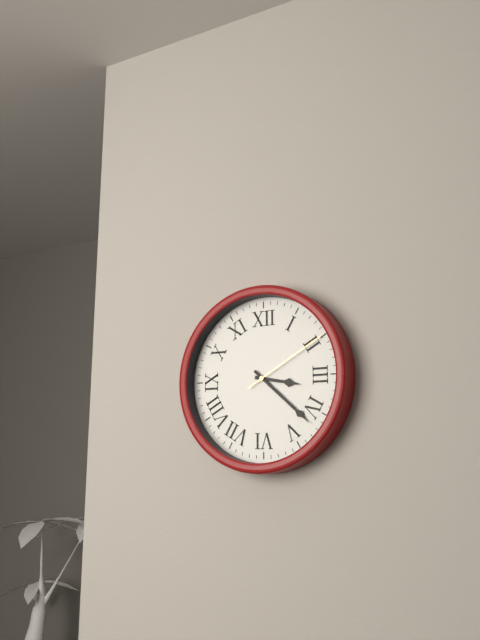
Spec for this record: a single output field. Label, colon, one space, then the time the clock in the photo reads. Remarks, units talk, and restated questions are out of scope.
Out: 3:22:10
